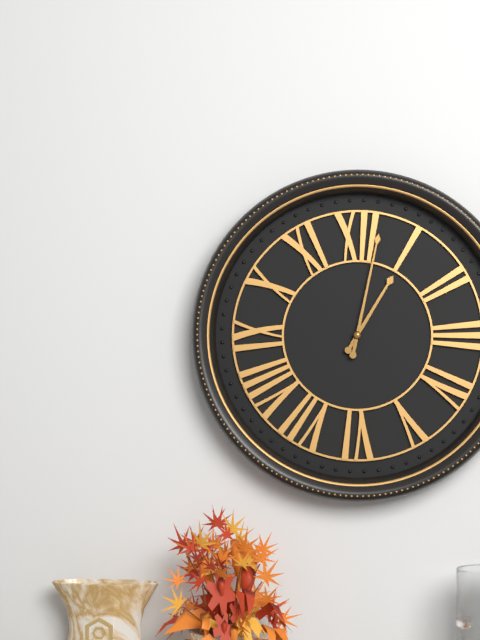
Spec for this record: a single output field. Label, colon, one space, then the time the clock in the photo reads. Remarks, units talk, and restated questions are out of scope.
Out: 1:02
